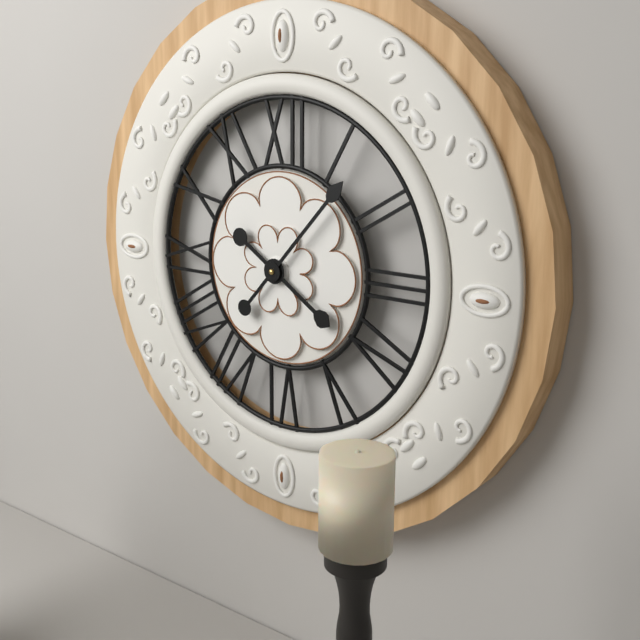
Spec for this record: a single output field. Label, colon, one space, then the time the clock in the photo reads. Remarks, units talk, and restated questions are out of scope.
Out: 4:07
